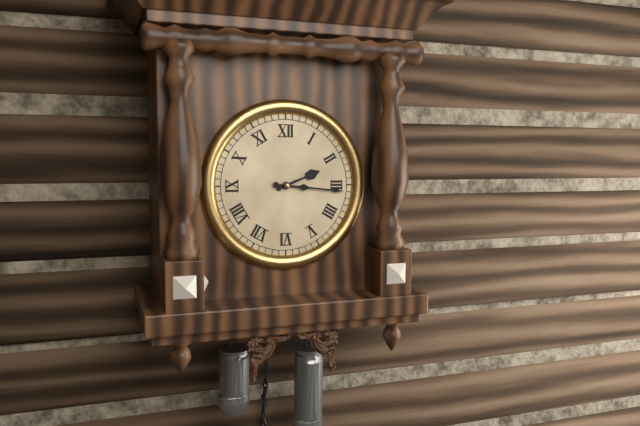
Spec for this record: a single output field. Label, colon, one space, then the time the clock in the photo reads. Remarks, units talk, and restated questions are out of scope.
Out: 2:16
